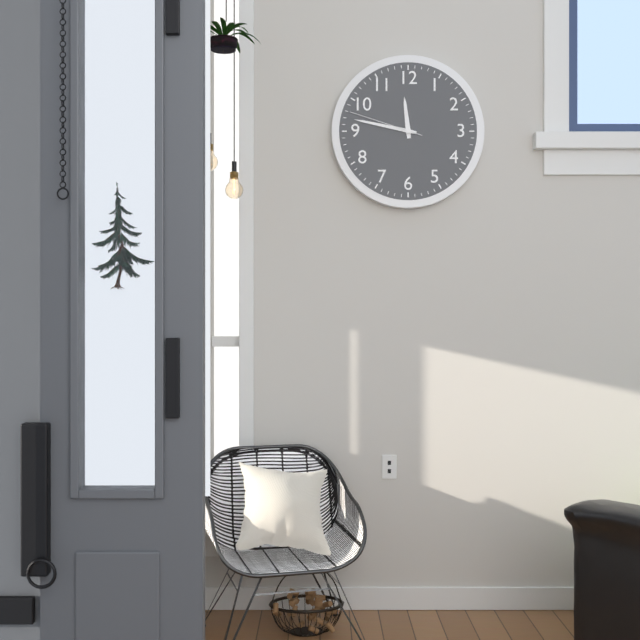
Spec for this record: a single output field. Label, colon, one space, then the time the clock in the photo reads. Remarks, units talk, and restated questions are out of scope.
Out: 11:47:48
